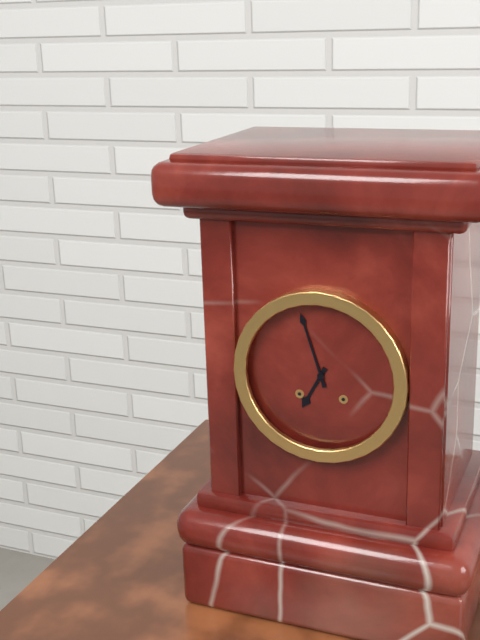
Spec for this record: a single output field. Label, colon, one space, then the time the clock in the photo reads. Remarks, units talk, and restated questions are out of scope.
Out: 6:57
